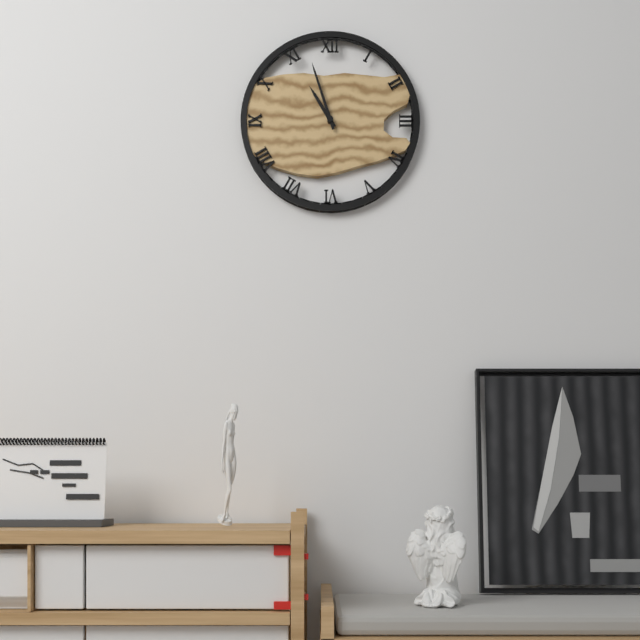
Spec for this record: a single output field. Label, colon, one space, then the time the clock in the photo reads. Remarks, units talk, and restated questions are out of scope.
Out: 10:57
